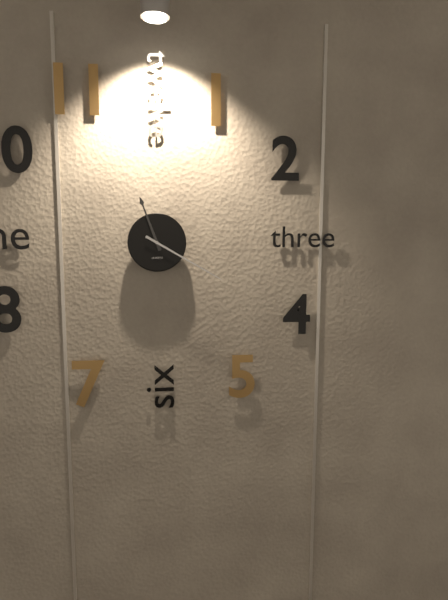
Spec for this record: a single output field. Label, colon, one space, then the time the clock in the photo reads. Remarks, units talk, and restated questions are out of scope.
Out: 11:20
